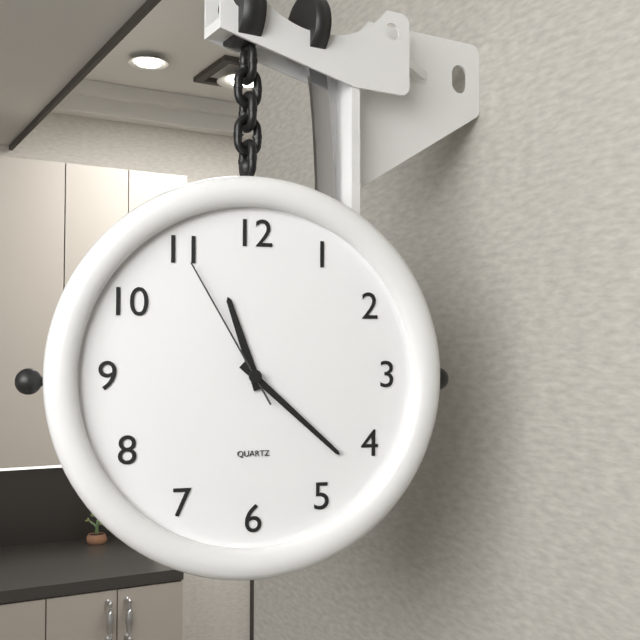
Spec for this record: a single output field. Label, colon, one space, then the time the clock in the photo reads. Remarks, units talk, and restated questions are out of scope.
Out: 11:22:55
